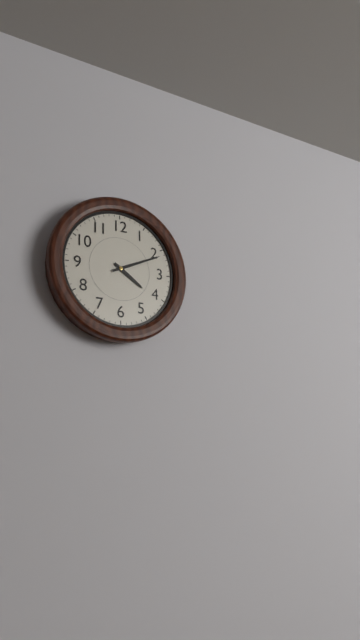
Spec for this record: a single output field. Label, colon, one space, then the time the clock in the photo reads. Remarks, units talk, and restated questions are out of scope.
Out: 4:11
